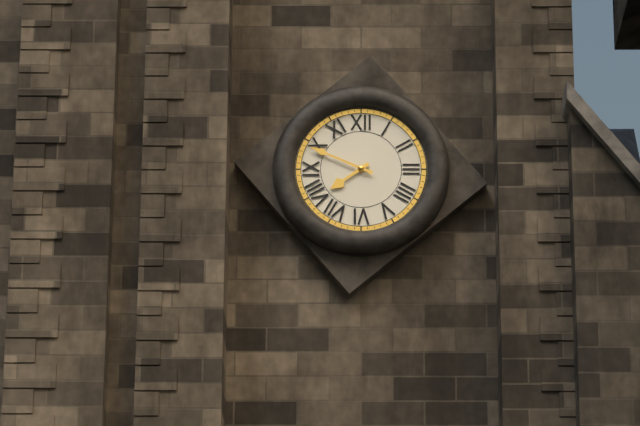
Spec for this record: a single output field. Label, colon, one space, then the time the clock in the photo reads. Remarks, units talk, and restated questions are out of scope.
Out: 7:49
